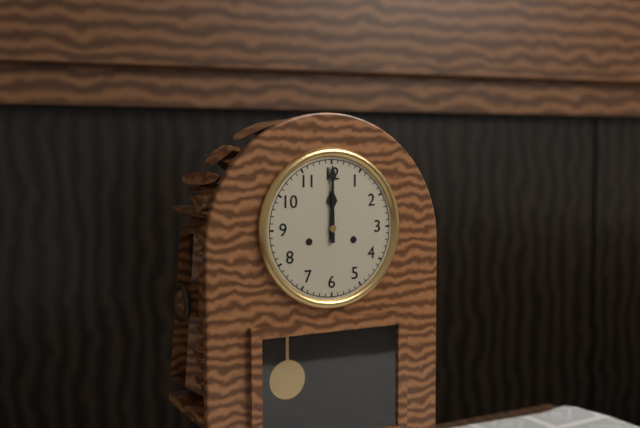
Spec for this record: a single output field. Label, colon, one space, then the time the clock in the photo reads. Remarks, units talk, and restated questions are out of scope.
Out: 12:00
